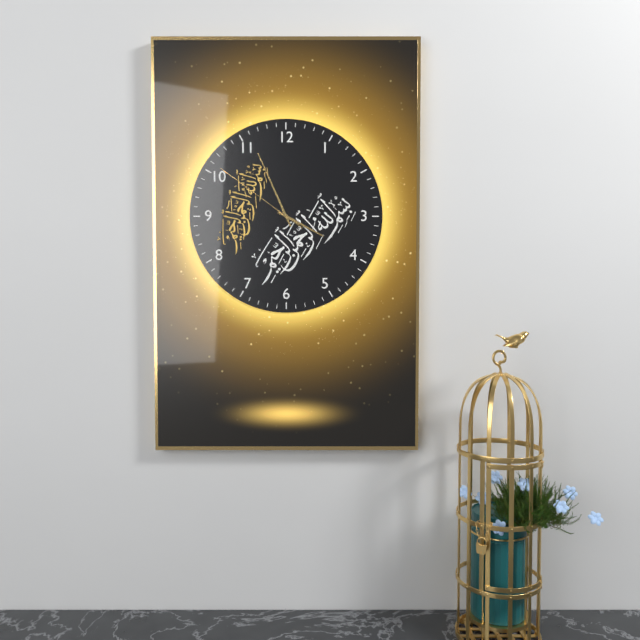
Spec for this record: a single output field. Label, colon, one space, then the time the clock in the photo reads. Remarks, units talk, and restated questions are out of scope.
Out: 3:56:51
